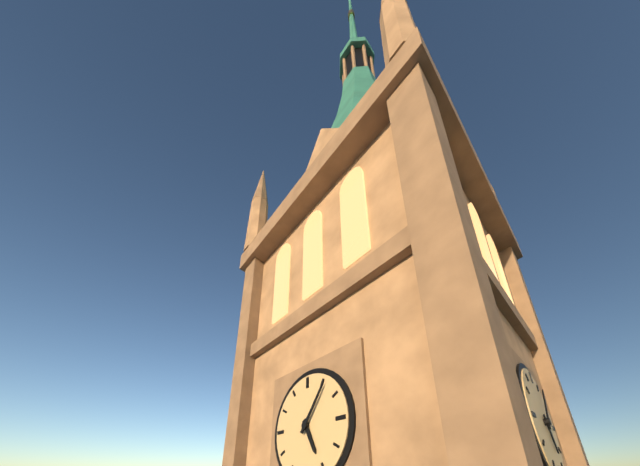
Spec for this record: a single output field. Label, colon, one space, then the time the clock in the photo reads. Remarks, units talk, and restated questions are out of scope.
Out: 5:06
